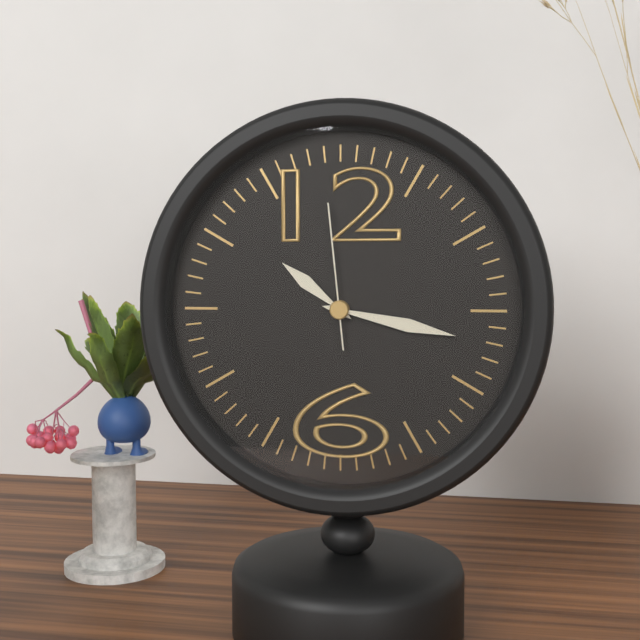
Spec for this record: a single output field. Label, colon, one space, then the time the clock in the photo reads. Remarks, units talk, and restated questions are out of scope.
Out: 10:17:59
